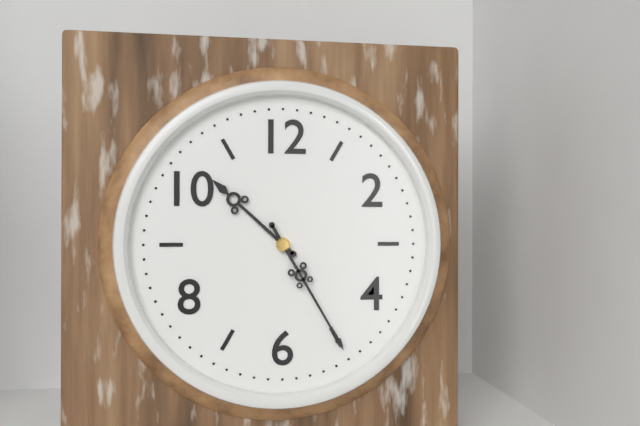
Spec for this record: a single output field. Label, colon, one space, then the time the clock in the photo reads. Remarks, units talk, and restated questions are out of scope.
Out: 10:25
